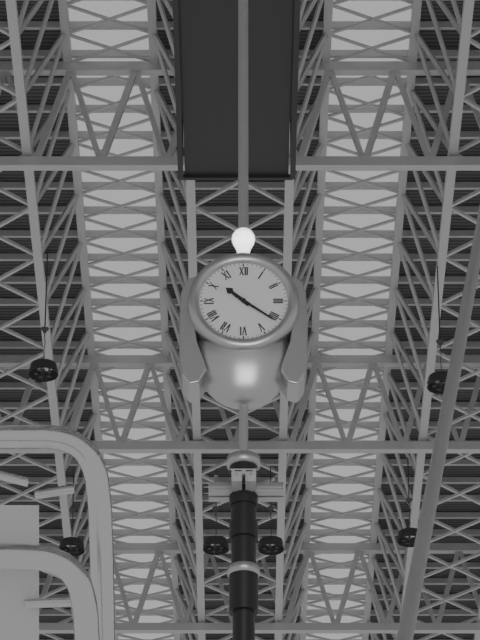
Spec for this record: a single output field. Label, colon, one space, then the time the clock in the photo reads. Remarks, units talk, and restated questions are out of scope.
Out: 10:21
